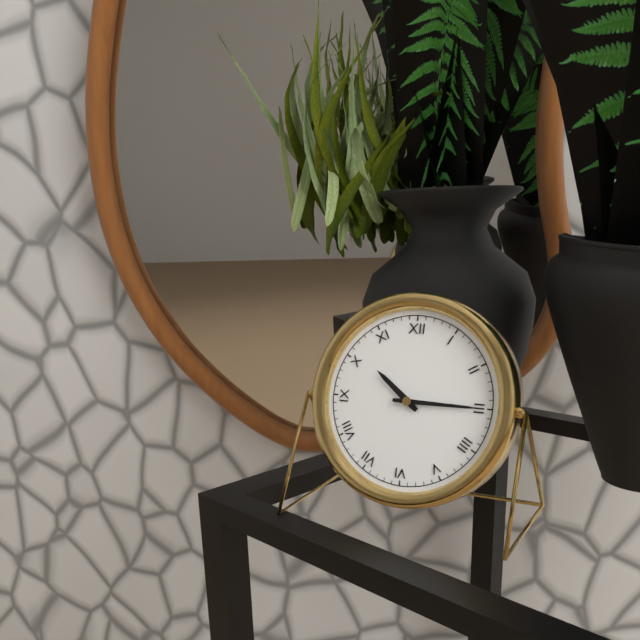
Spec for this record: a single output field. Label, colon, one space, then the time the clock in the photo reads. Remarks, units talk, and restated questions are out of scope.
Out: 10:15
